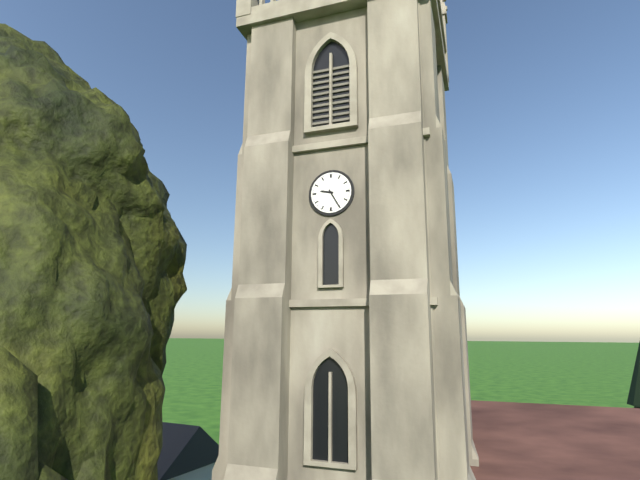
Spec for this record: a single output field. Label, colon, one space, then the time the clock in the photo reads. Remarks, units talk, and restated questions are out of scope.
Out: 9:25
